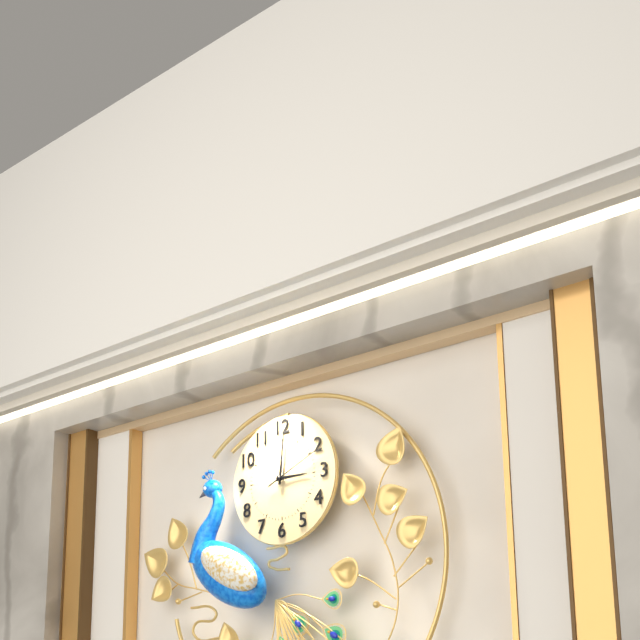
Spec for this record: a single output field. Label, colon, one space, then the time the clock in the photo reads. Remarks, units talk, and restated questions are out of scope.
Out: 3:01:11
